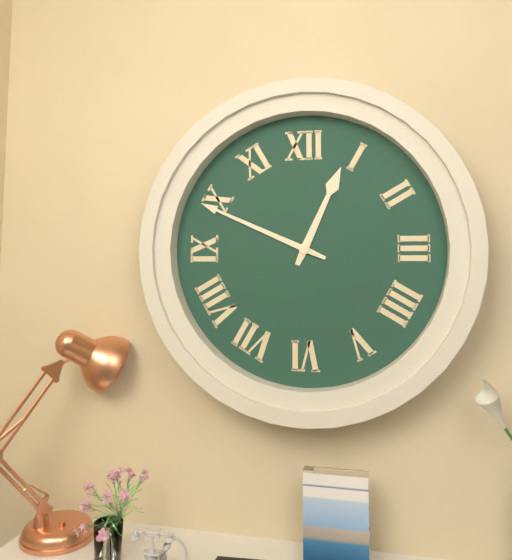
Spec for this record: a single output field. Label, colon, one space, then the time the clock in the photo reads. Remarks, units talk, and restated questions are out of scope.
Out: 12:49
